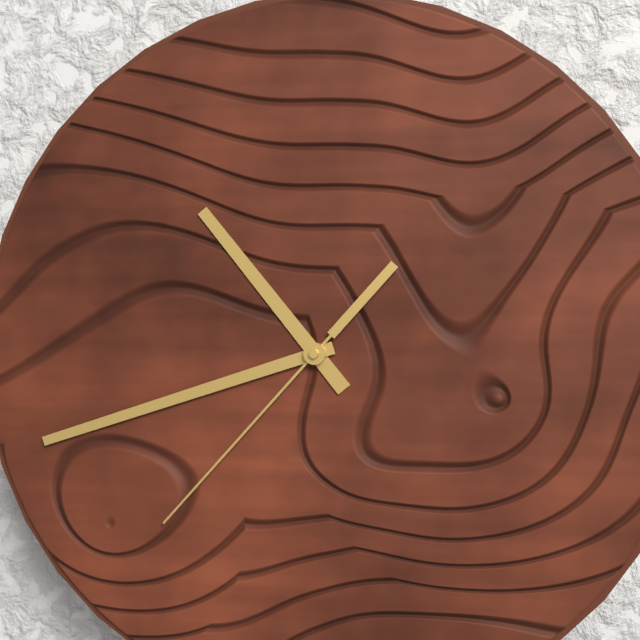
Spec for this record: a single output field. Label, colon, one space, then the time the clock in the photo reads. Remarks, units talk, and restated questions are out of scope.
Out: 10:42:37
